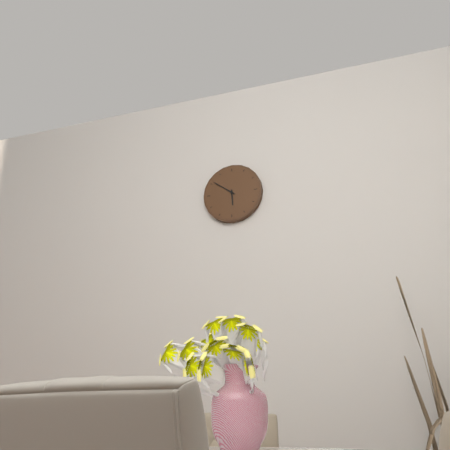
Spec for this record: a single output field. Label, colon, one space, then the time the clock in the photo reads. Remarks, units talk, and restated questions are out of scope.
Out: 5:51
